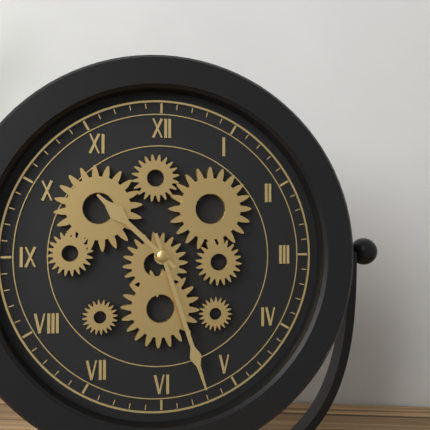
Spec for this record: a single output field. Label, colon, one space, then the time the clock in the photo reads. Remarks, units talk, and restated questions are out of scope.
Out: 10:27
